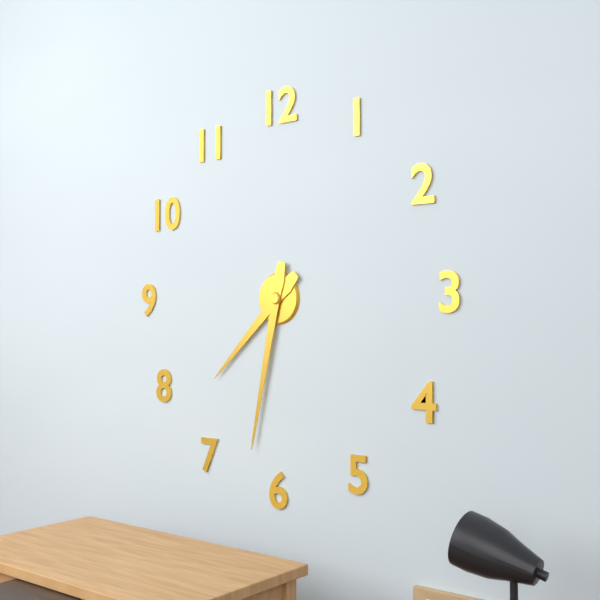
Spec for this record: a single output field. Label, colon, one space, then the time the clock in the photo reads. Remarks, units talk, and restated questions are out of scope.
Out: 7:32
